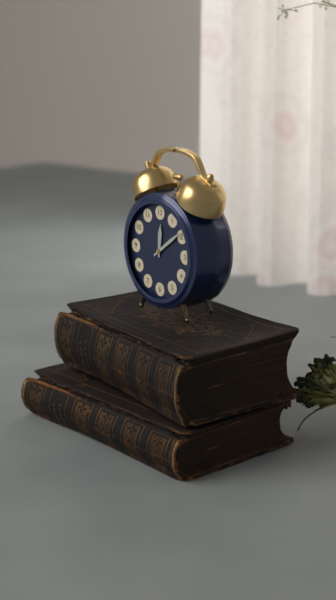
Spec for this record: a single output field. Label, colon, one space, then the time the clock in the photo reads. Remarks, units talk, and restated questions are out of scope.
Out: 12:09
